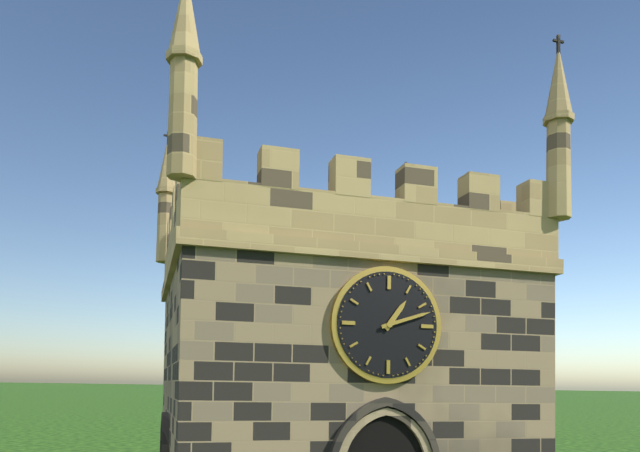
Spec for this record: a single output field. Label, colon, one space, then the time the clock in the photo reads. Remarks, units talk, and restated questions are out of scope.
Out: 1:12
